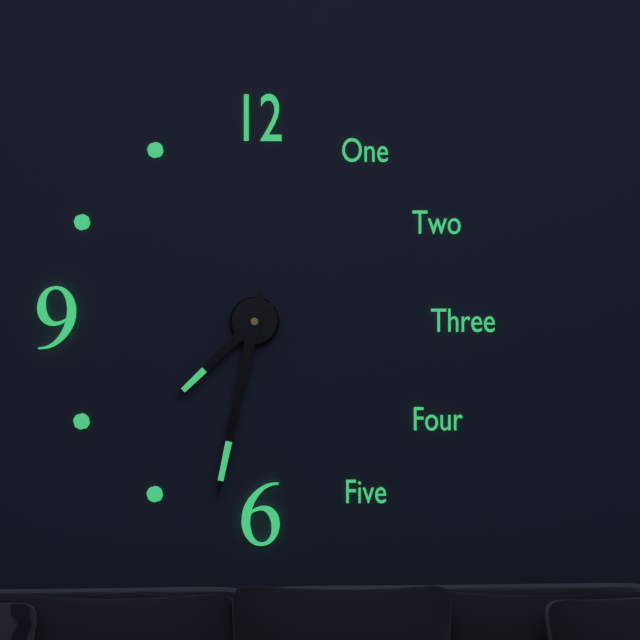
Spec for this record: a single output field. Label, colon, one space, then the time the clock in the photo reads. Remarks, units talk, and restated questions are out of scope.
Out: 7:32
